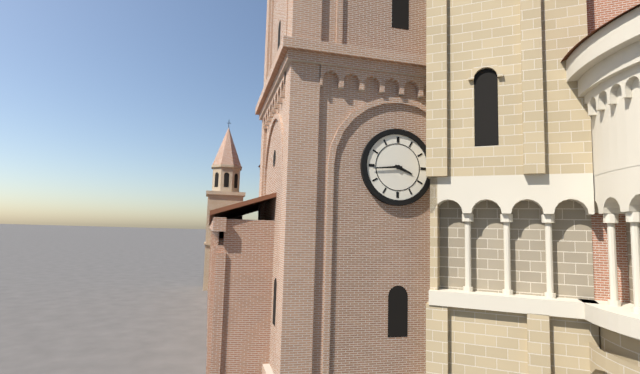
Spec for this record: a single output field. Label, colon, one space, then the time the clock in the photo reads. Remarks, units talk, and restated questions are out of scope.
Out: 3:44
